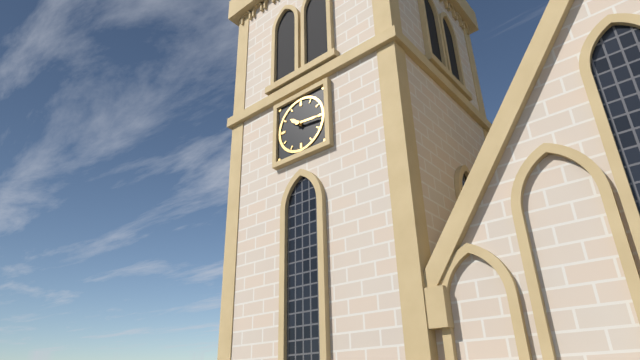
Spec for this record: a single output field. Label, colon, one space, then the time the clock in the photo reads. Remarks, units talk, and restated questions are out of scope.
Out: 10:16
